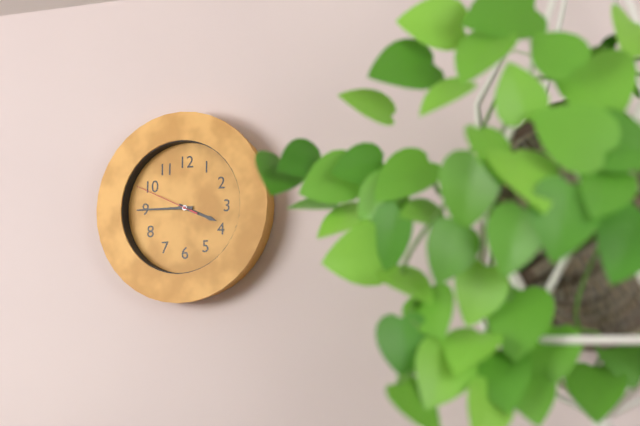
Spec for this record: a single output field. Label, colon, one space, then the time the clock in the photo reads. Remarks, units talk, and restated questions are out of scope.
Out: 3:45:49
